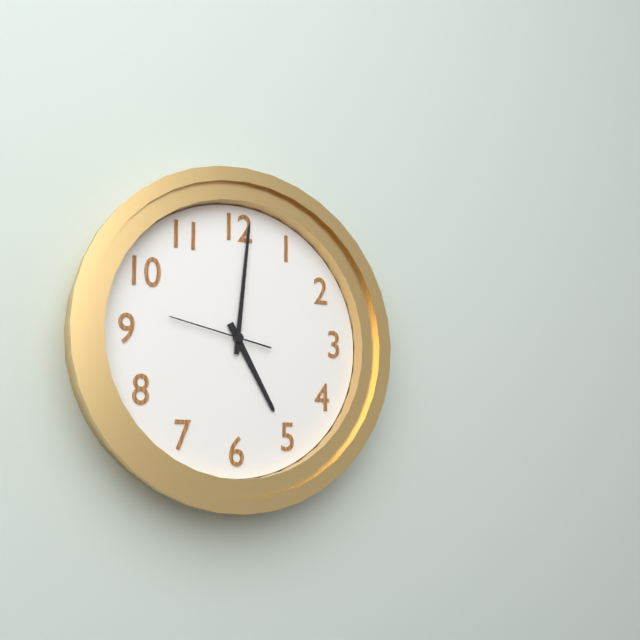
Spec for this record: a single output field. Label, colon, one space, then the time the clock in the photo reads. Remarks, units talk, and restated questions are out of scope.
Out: 5:01:47
